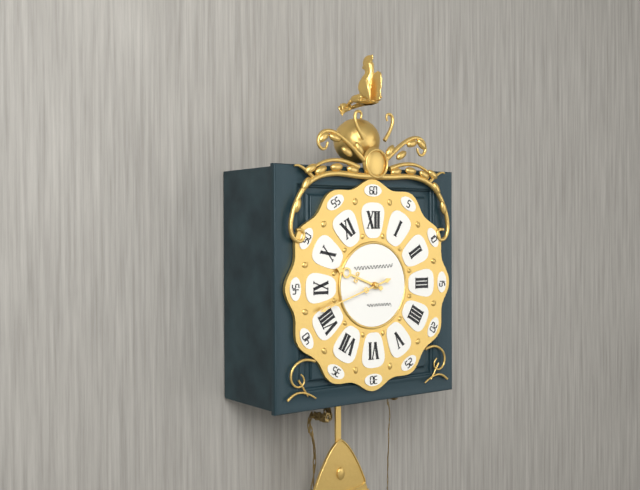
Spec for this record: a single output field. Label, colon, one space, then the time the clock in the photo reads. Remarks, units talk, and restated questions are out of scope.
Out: 9:42
